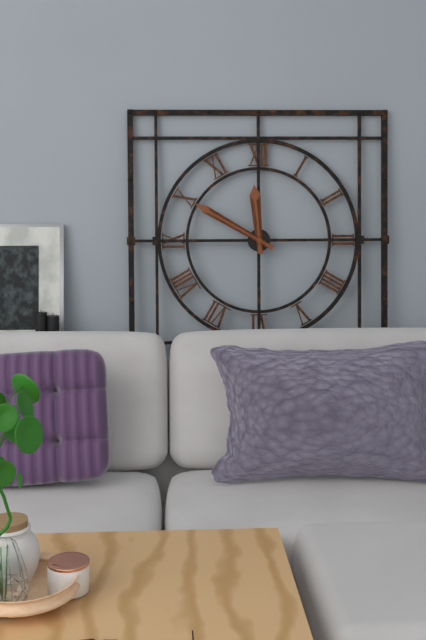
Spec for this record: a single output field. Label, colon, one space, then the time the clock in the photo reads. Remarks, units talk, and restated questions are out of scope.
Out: 11:50
